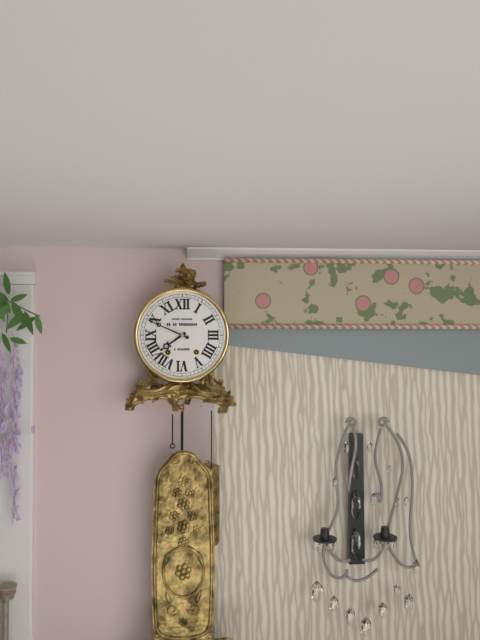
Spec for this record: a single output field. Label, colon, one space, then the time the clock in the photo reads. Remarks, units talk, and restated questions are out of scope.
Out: 7:49
